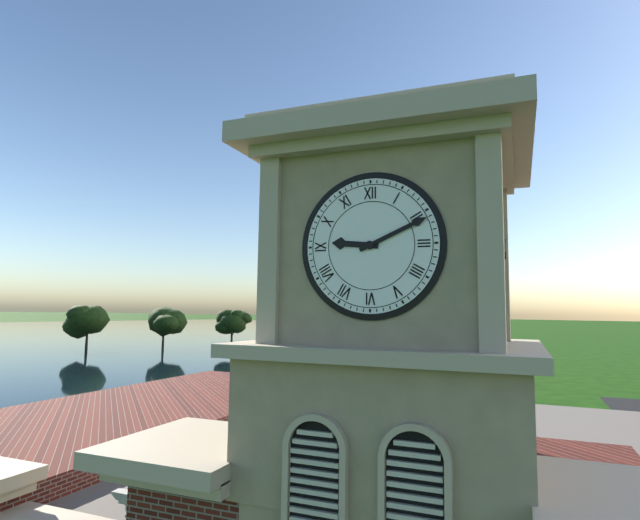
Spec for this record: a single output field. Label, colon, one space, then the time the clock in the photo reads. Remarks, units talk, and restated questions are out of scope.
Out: 9:11
